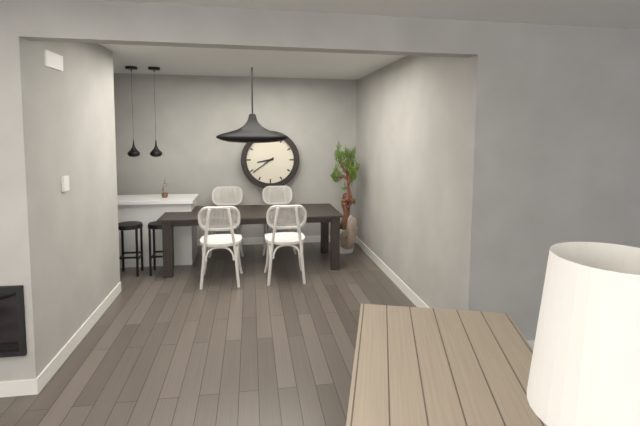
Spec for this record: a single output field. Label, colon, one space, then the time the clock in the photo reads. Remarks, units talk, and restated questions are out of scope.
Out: 8:39
